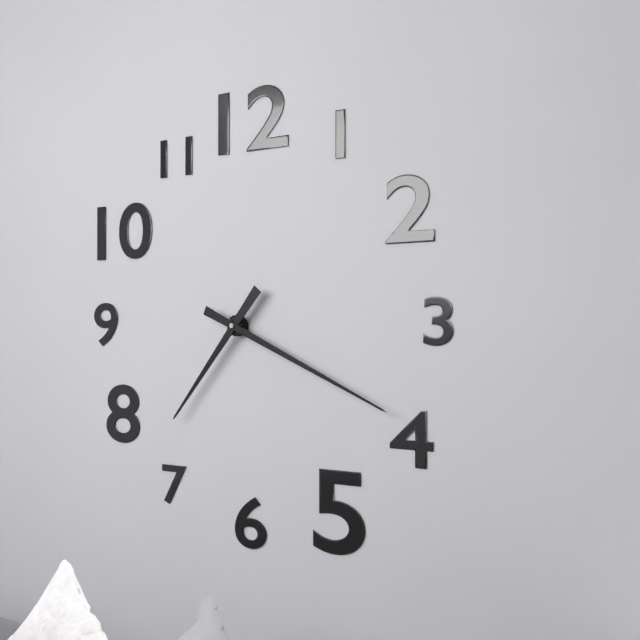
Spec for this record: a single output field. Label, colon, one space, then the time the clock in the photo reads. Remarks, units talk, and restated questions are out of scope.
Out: 7:19
